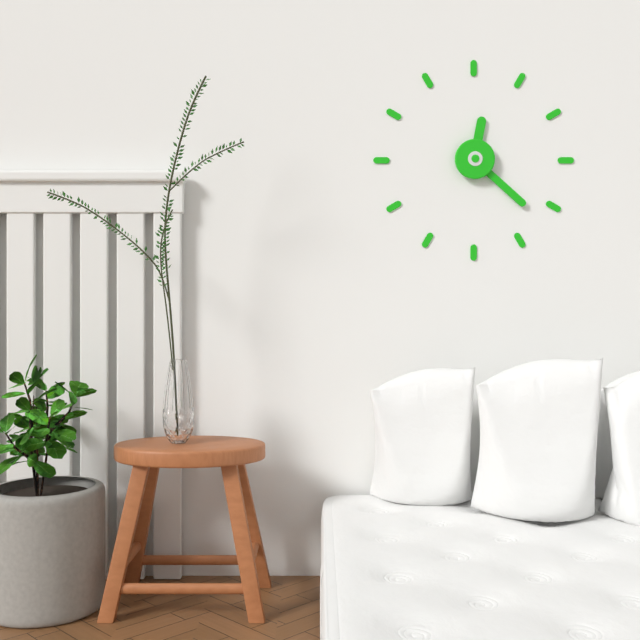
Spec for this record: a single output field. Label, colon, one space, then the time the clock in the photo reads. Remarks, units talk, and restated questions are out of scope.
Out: 12:22
